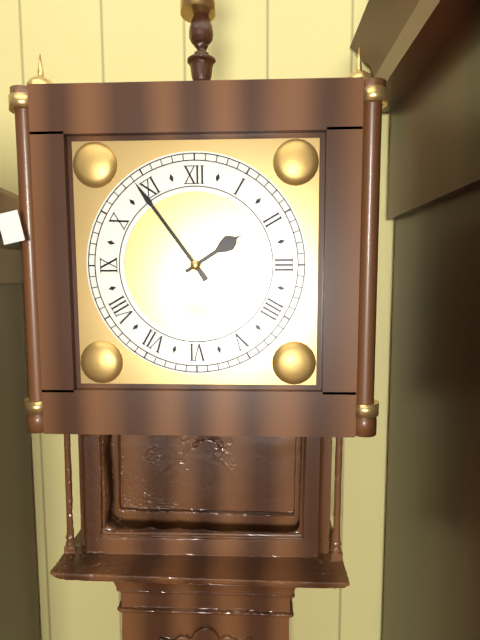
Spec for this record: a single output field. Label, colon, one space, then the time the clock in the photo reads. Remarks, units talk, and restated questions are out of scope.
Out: 1:54
